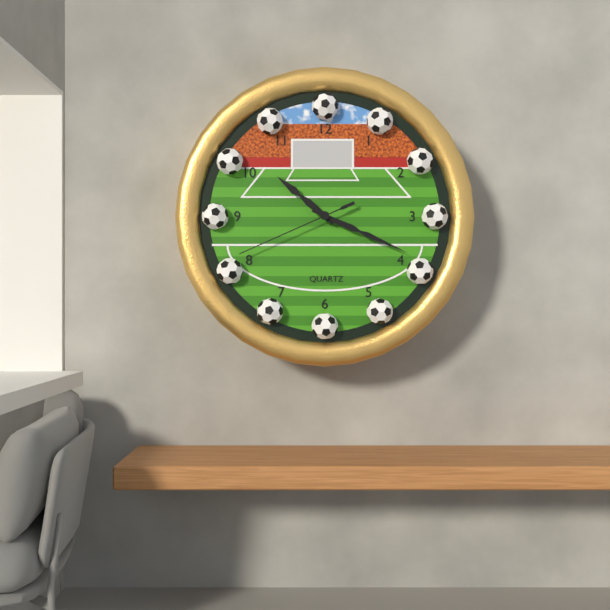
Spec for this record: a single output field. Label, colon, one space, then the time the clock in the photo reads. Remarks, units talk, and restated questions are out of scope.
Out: 10:19:41
